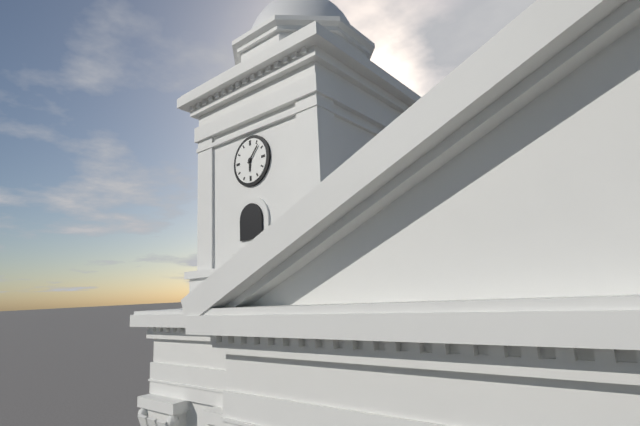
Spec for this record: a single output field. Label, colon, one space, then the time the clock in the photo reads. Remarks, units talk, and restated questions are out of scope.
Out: 6:07
